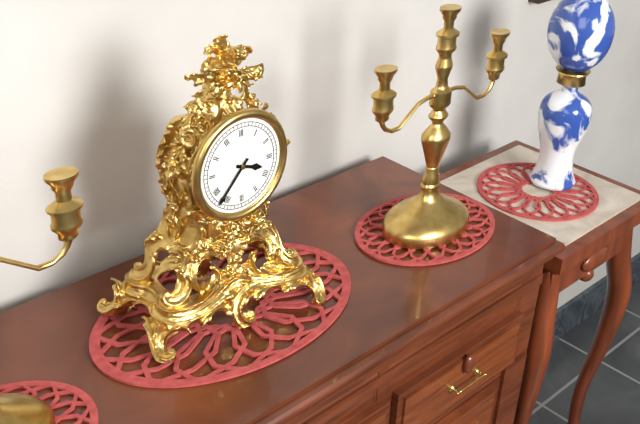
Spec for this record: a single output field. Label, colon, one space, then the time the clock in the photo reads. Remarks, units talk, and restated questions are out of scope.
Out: 3:37
